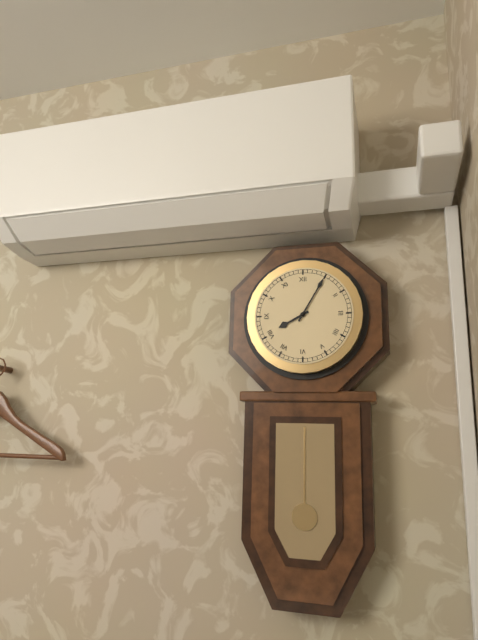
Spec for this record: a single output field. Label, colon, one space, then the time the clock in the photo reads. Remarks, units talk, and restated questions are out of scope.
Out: 8:05
